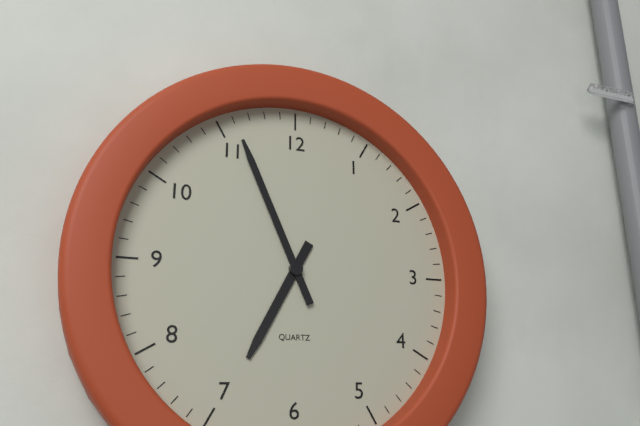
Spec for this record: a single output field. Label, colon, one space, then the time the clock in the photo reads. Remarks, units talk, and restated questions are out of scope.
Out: 6:56
